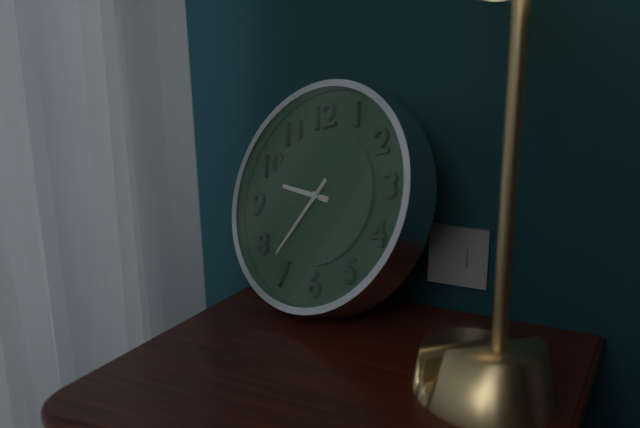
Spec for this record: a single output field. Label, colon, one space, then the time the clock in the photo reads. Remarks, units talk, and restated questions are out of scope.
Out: 9:37
